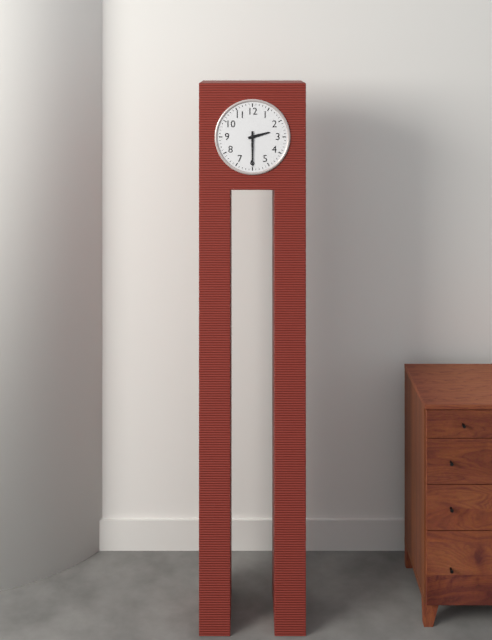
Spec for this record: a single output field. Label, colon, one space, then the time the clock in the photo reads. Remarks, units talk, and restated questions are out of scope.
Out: 2:30
